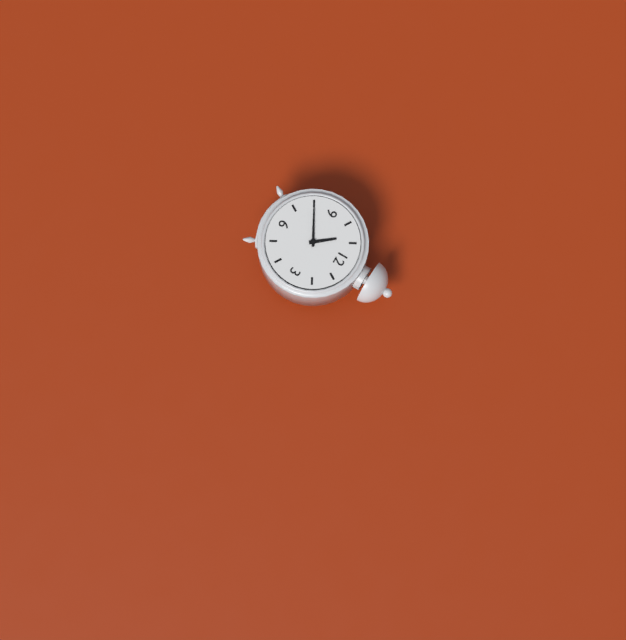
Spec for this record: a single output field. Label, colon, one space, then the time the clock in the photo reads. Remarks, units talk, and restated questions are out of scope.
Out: 10:40
